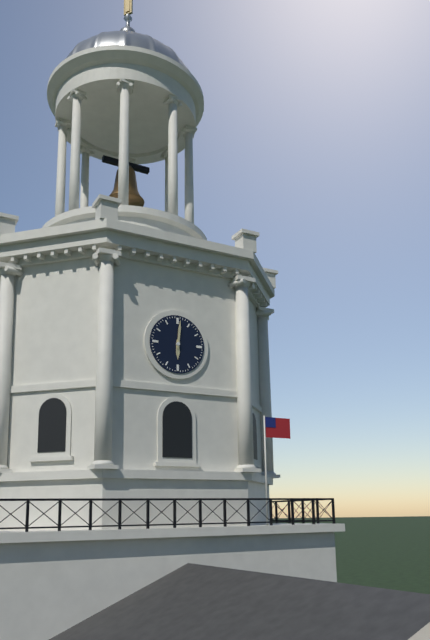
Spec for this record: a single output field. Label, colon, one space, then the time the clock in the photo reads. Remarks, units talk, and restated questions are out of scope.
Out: 6:01
